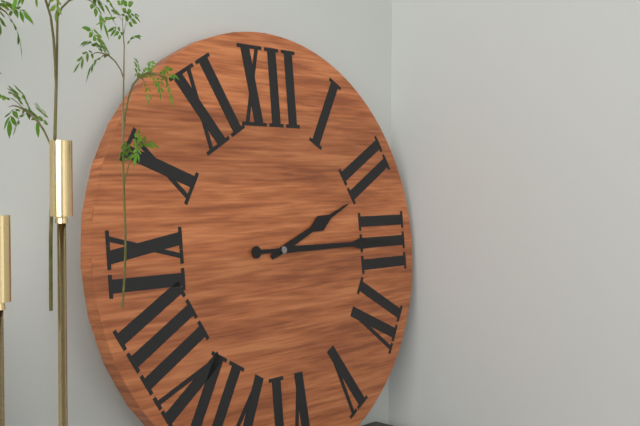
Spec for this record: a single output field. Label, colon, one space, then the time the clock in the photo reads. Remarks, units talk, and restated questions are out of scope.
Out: 2:15
